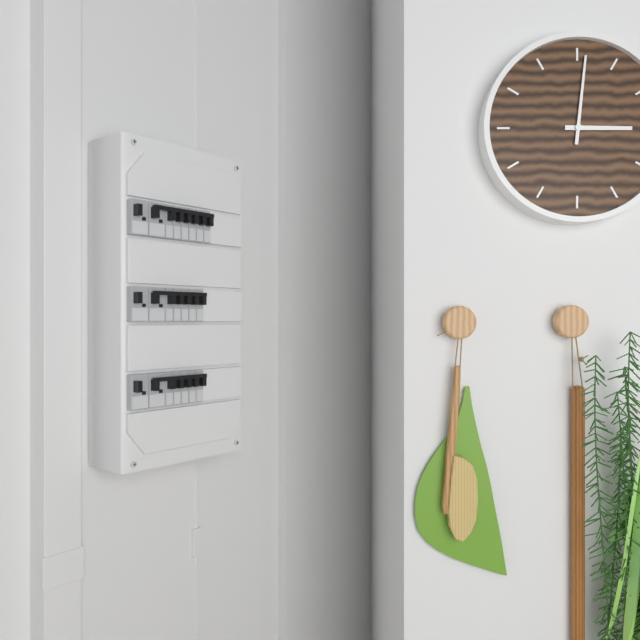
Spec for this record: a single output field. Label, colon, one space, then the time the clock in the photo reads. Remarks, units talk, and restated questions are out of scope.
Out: 3:01
